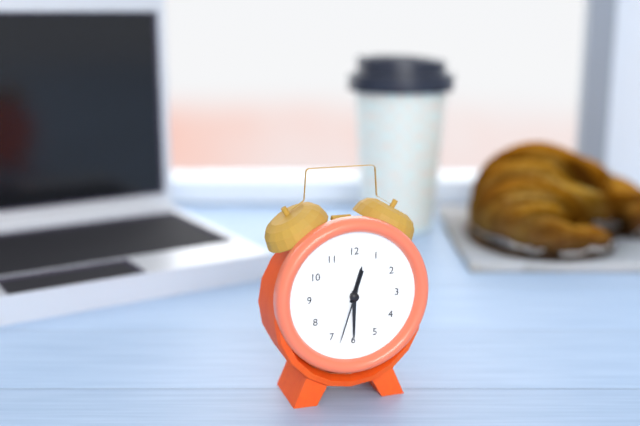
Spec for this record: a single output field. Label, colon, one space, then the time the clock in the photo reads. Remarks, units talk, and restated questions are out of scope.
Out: 12:30:33
